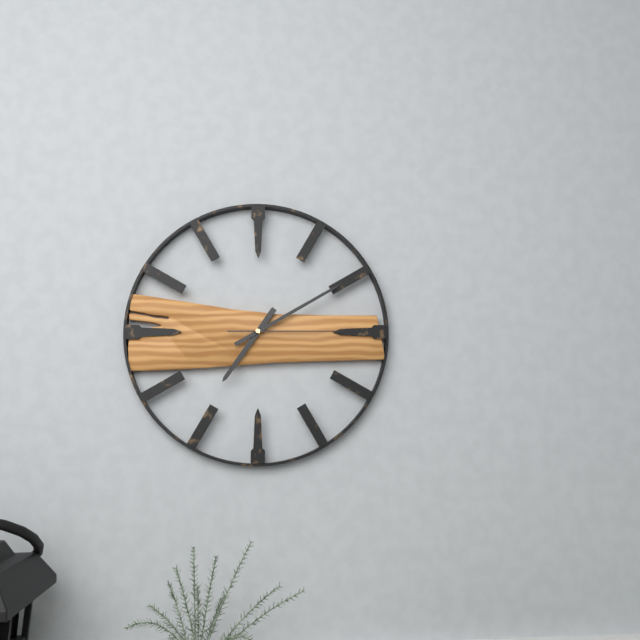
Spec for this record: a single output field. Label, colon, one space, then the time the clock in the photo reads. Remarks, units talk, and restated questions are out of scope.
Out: 7:10:15
